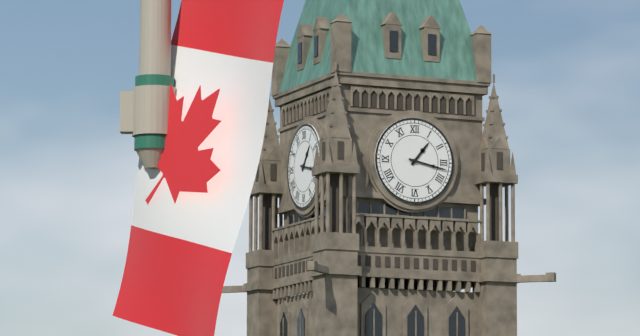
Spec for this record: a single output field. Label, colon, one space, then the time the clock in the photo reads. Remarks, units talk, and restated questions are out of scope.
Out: 1:17
